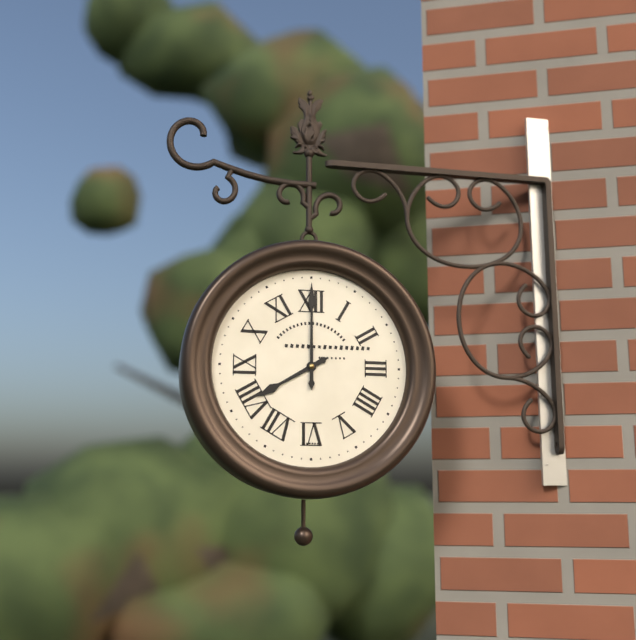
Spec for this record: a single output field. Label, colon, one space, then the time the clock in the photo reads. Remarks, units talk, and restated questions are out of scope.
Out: 8:00
